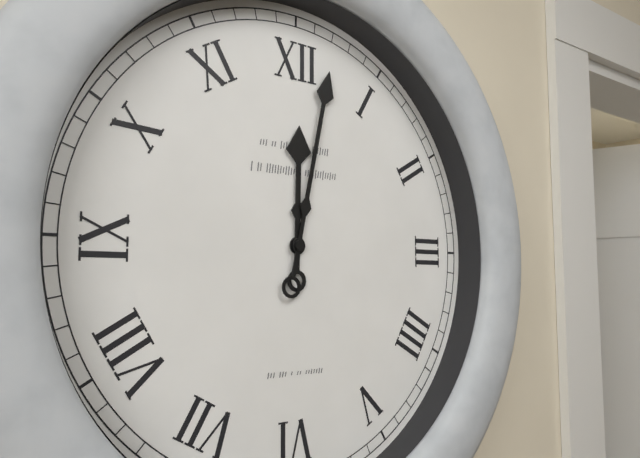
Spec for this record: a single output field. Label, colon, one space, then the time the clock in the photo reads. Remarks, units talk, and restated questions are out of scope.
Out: 12:02
